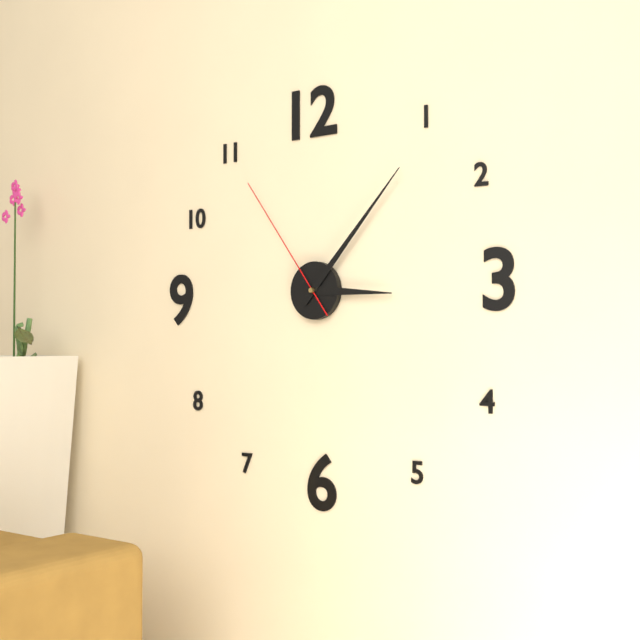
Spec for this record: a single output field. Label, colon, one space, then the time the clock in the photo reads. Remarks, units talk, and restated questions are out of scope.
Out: 3:07:54
